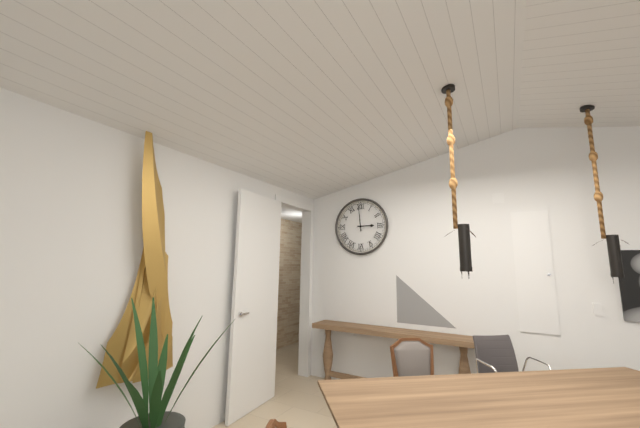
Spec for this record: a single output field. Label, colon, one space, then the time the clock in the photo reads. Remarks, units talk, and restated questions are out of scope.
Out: 2:59
